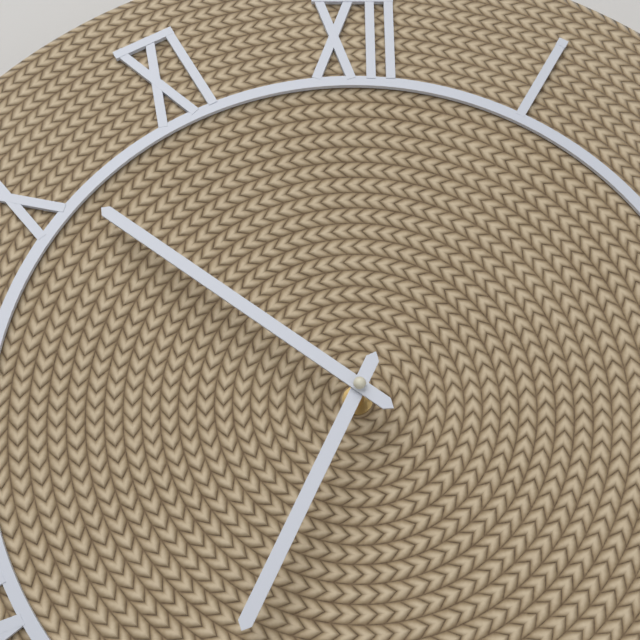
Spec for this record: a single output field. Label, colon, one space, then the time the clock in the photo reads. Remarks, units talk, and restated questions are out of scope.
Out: 6:51
